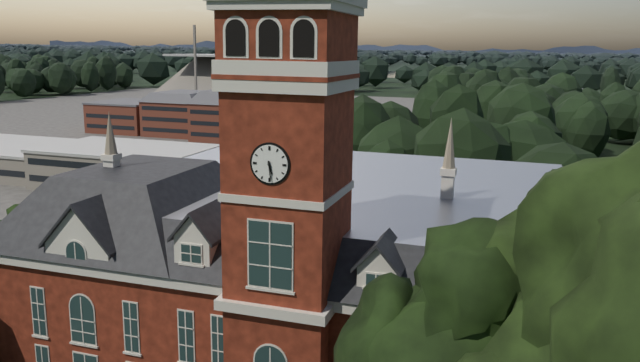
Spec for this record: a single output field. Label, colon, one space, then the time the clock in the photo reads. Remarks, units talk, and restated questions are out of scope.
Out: 5:29
